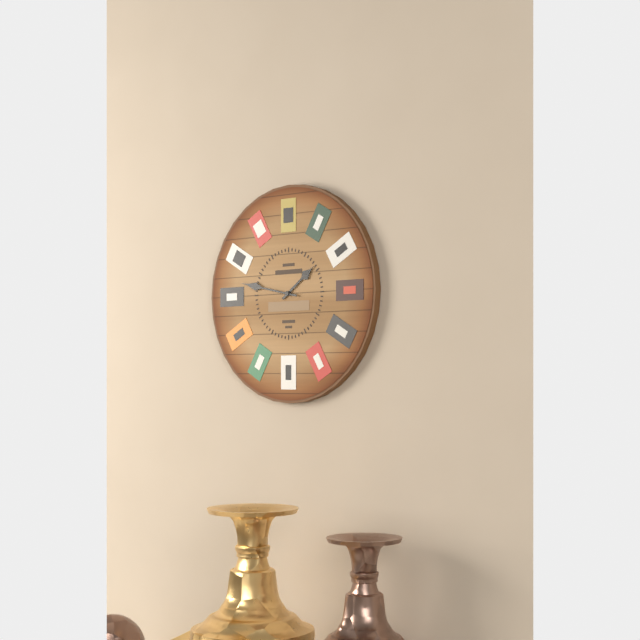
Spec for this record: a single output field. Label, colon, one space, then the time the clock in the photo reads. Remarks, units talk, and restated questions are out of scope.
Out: 1:47
